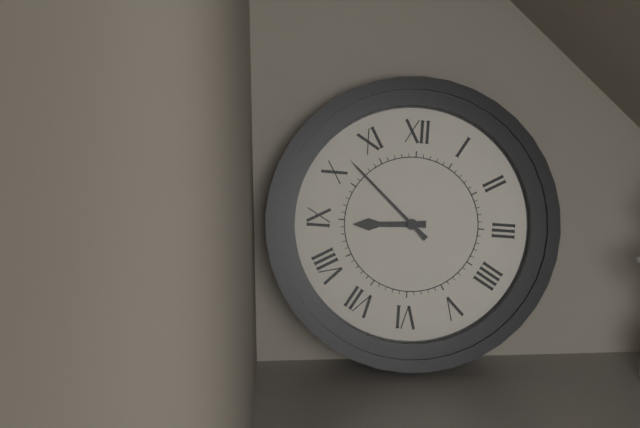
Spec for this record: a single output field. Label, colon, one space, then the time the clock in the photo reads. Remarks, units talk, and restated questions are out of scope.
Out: 8:52
